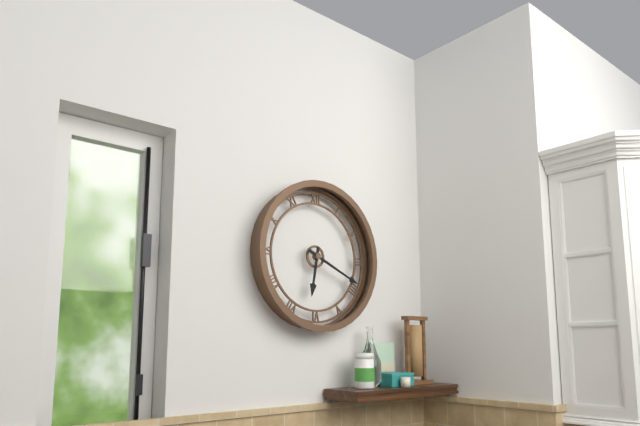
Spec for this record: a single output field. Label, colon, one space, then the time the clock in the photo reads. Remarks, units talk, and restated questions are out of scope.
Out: 6:19
